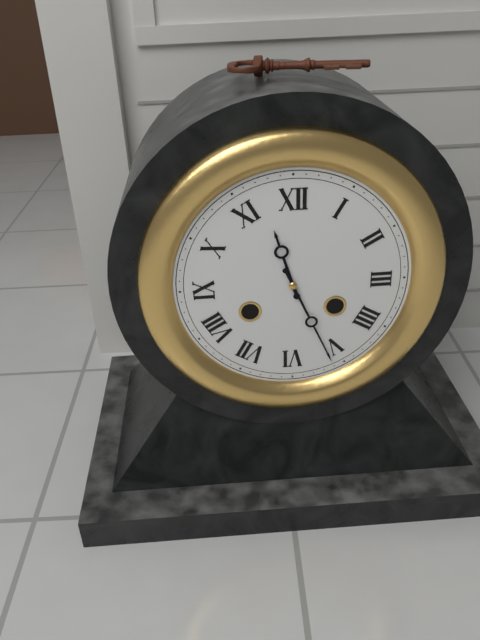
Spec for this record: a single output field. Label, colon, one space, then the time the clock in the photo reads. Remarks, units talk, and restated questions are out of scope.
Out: 11:26
